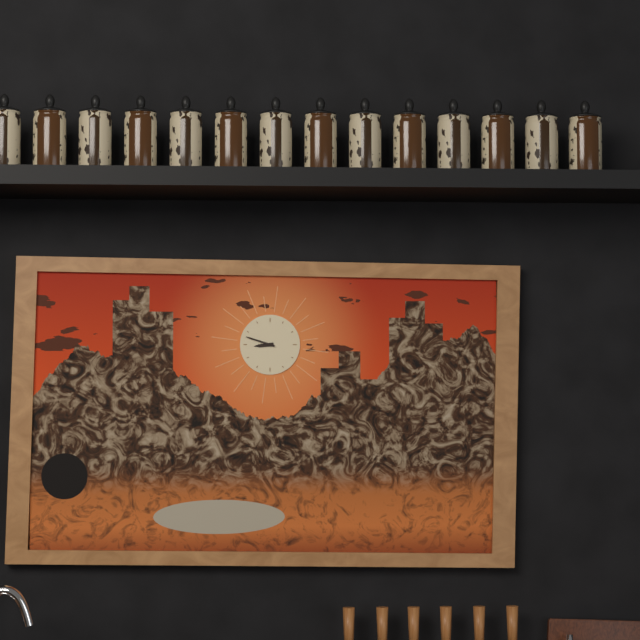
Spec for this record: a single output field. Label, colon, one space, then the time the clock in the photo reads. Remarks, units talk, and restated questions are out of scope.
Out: 8:48
